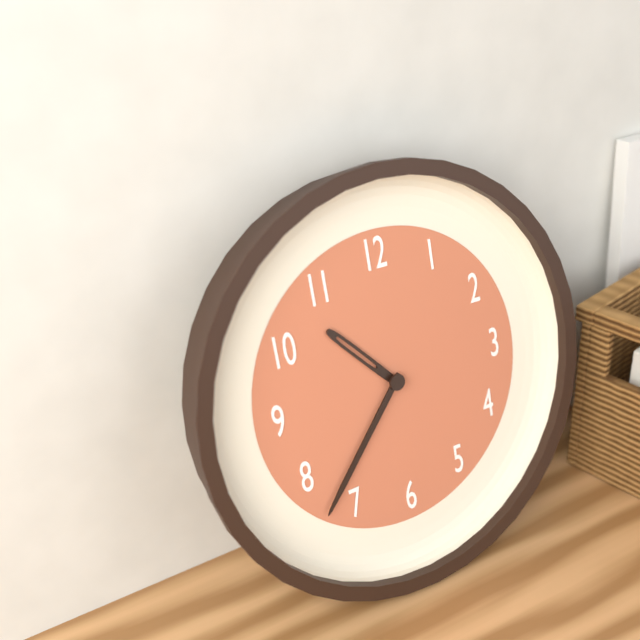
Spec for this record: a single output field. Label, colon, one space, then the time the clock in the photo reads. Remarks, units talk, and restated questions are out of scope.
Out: 10:37
